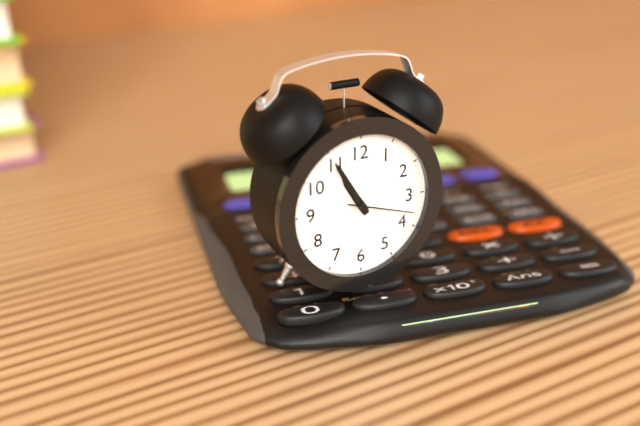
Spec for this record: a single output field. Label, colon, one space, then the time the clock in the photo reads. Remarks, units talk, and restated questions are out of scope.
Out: 10:55:18
